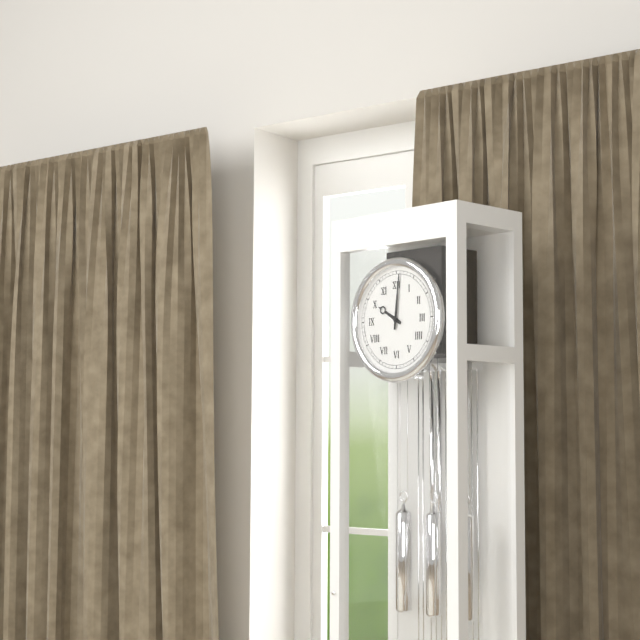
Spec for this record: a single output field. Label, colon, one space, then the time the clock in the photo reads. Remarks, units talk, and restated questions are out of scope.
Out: 10:01
